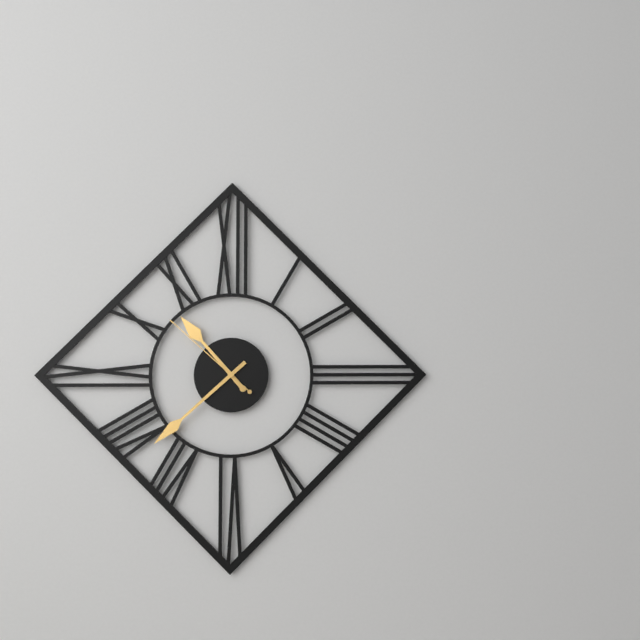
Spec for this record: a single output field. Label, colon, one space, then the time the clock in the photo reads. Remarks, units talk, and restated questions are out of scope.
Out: 10:38:52
